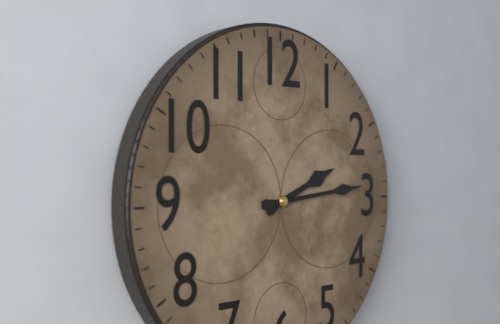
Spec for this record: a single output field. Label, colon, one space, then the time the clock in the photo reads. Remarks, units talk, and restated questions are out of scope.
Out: 2:14
